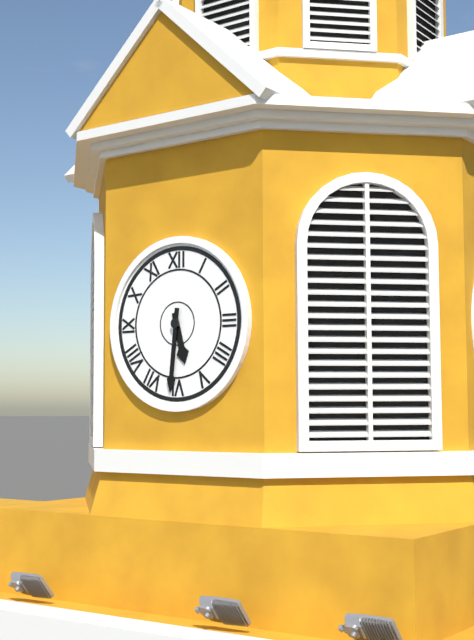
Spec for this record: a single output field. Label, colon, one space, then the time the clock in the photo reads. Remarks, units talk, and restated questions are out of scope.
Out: 5:31
